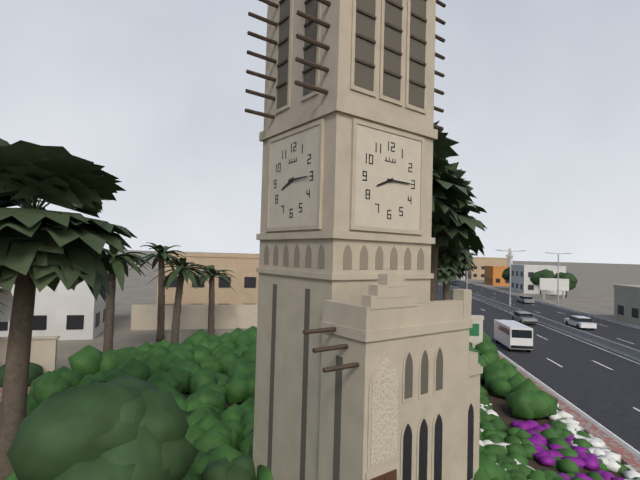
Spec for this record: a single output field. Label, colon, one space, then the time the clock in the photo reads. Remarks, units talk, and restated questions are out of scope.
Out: 8:15
